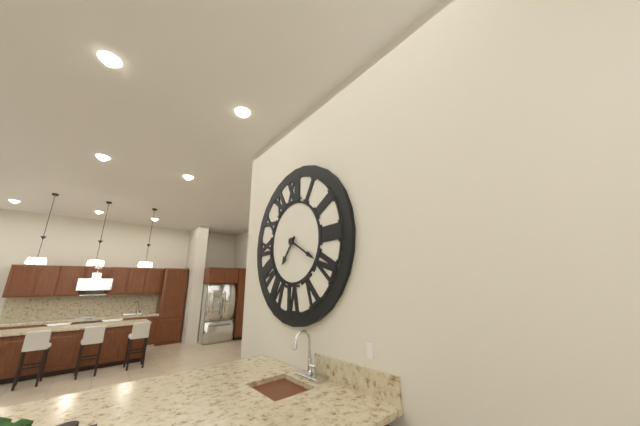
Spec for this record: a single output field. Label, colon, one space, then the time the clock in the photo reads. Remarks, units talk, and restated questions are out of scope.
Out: 7:20
